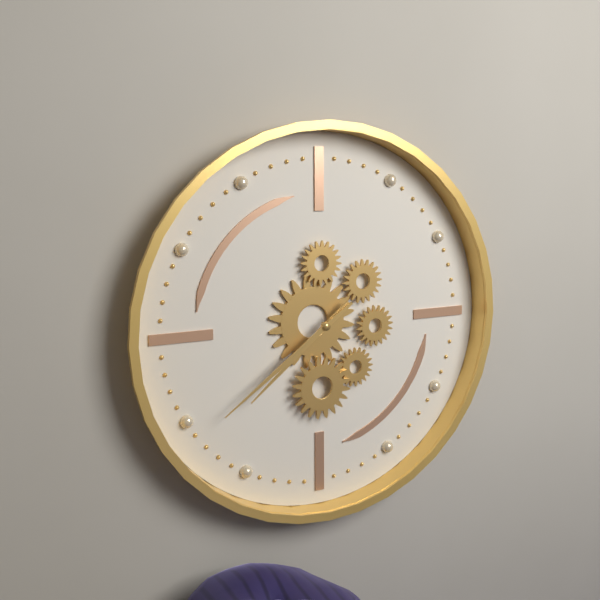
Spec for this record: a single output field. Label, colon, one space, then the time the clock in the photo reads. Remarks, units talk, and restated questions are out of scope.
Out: 7:39
